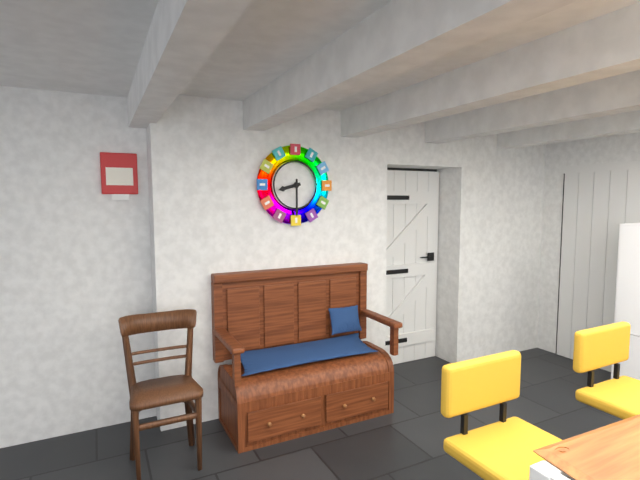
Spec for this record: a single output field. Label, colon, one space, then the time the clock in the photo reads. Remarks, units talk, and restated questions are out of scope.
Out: 8:30
